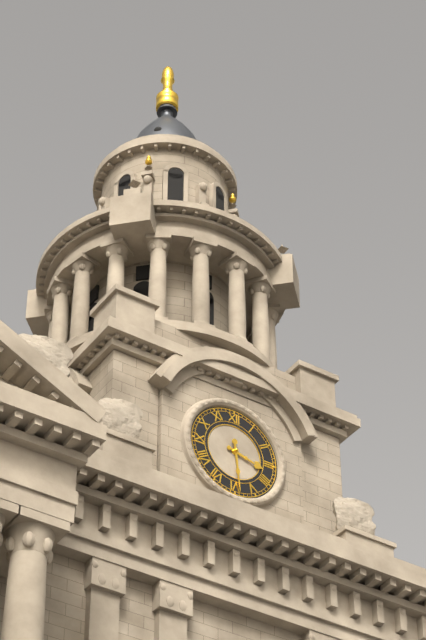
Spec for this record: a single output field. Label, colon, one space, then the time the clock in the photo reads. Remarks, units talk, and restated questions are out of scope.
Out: 3:29
